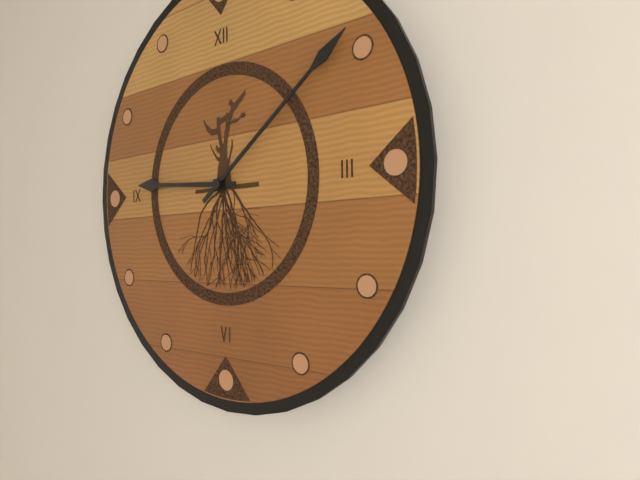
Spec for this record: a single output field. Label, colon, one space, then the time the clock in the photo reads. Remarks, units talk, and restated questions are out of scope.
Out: 9:09
